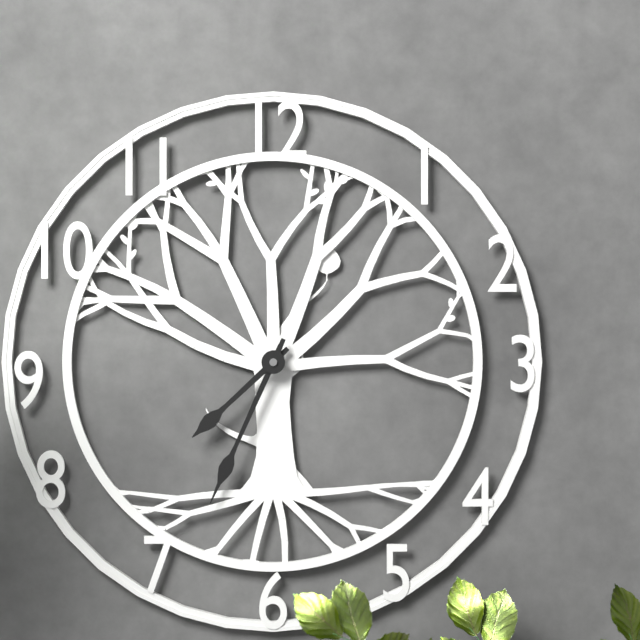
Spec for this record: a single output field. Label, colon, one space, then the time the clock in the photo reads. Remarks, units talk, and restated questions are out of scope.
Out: 7:34
